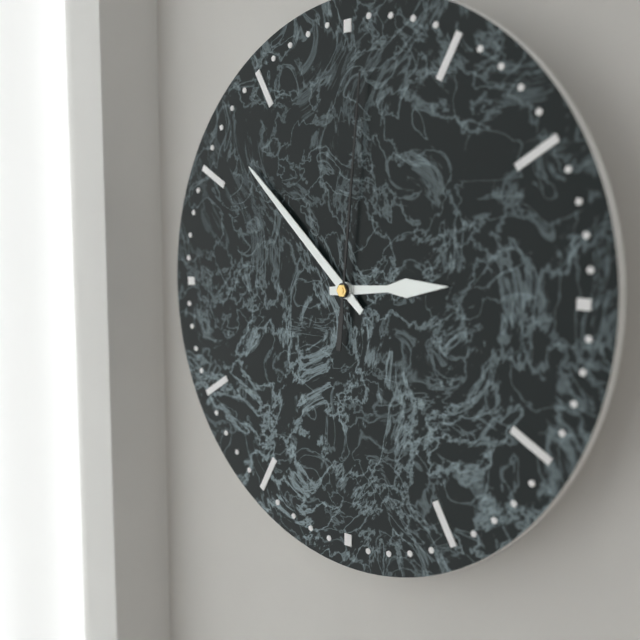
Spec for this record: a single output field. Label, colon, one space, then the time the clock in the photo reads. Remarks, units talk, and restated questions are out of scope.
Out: 2:52:01
